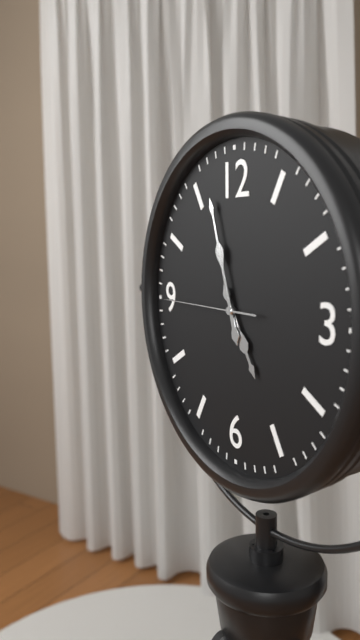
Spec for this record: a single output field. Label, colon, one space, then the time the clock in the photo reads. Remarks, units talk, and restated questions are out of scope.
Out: 4:57:45
